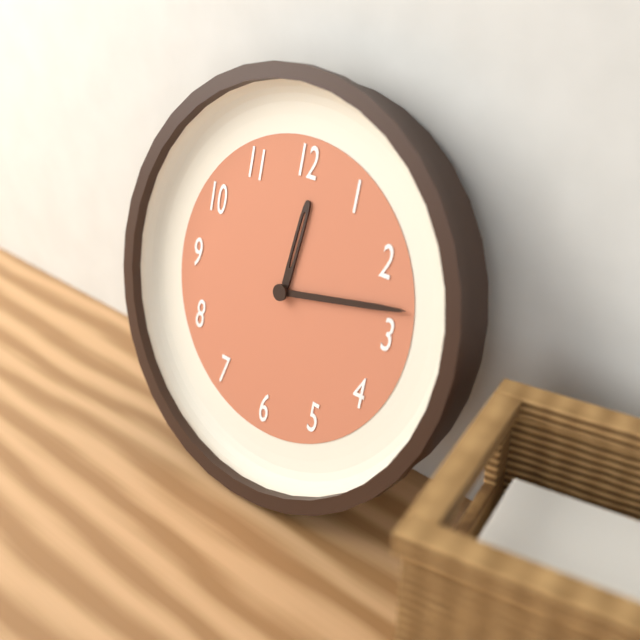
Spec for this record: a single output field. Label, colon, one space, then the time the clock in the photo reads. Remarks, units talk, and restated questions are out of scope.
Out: 12:13
